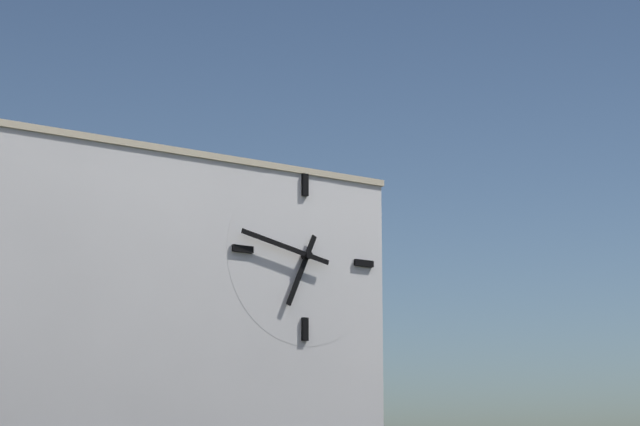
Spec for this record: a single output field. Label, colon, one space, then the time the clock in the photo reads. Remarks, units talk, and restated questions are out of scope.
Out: 6:47
